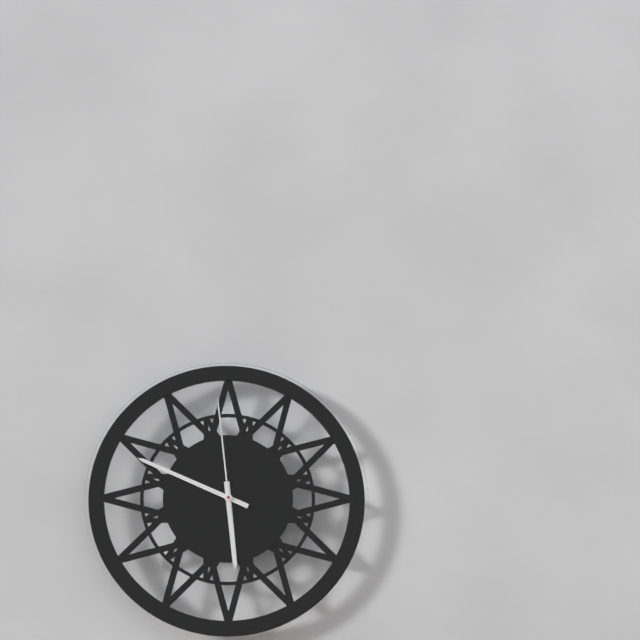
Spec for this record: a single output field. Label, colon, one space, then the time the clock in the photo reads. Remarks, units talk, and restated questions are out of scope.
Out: 5:49:59
